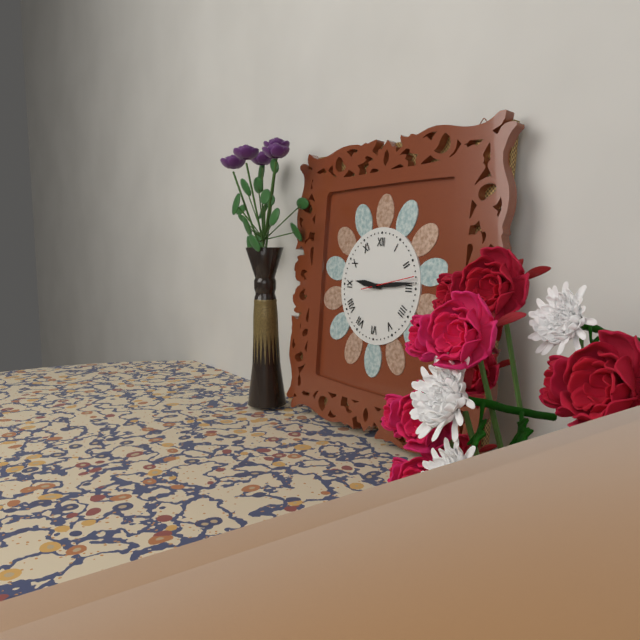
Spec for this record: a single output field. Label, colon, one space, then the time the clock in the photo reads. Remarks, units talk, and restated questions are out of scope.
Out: 9:14
